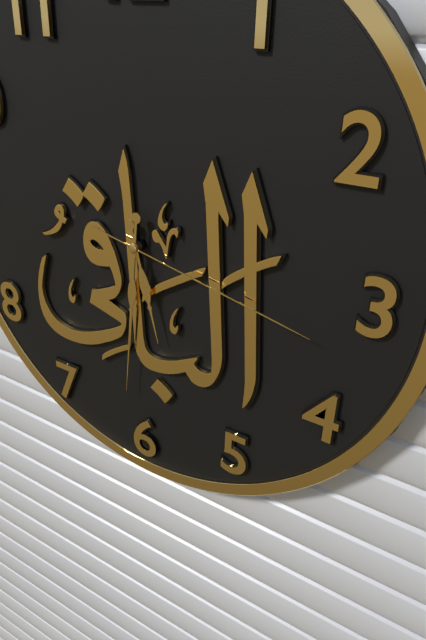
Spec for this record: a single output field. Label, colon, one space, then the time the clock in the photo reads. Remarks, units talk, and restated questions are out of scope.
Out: 5:31:17
